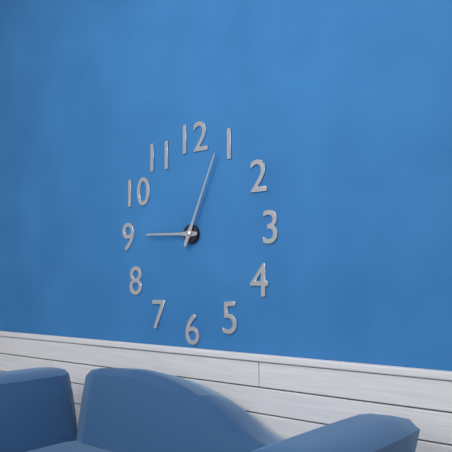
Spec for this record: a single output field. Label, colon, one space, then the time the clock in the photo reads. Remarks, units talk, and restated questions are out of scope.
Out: 9:04
